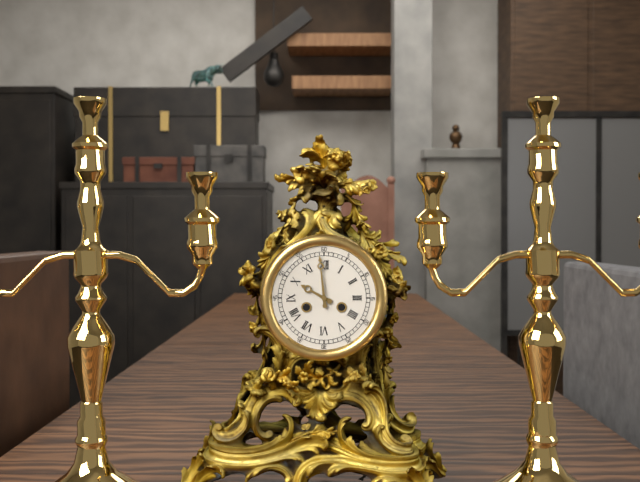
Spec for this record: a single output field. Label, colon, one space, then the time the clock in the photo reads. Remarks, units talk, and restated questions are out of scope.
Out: 9:59
